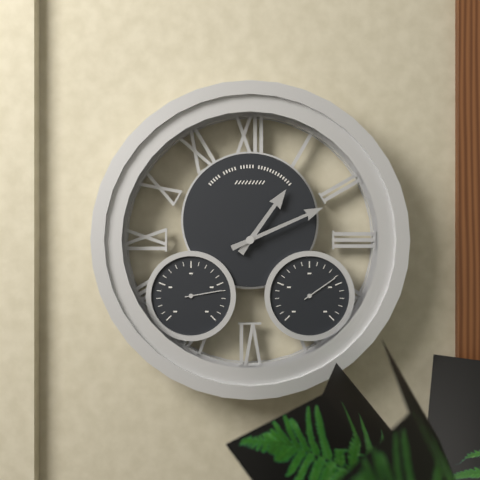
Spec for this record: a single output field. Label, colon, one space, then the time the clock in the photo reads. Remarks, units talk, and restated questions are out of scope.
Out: 1:11
